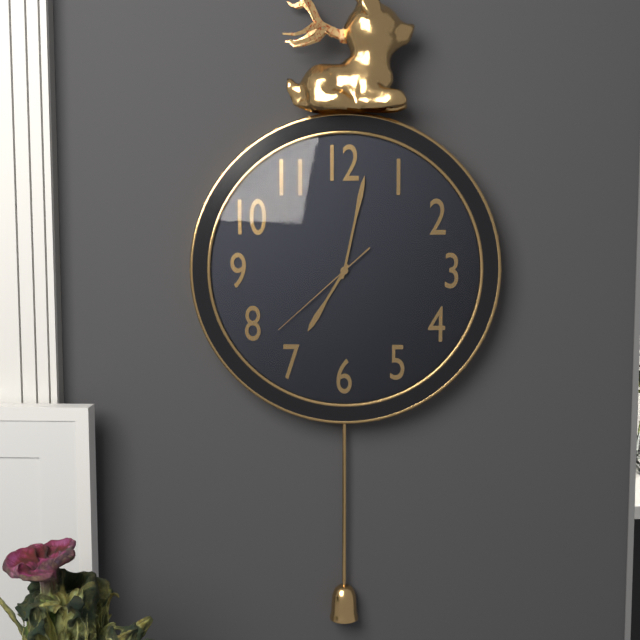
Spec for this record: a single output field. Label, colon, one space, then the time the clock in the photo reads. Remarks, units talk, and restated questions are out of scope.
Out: 7:02:38
